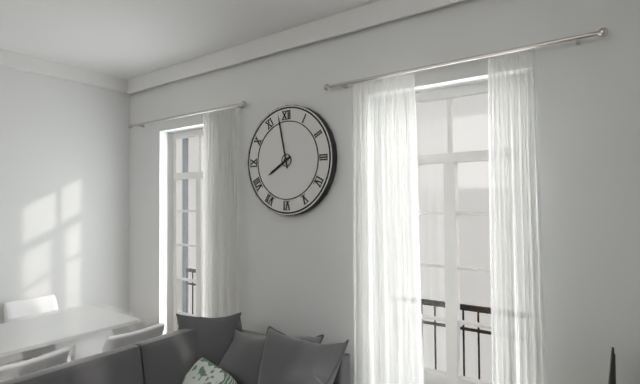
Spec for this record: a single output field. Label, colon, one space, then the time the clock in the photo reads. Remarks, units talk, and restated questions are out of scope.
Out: 7:58
